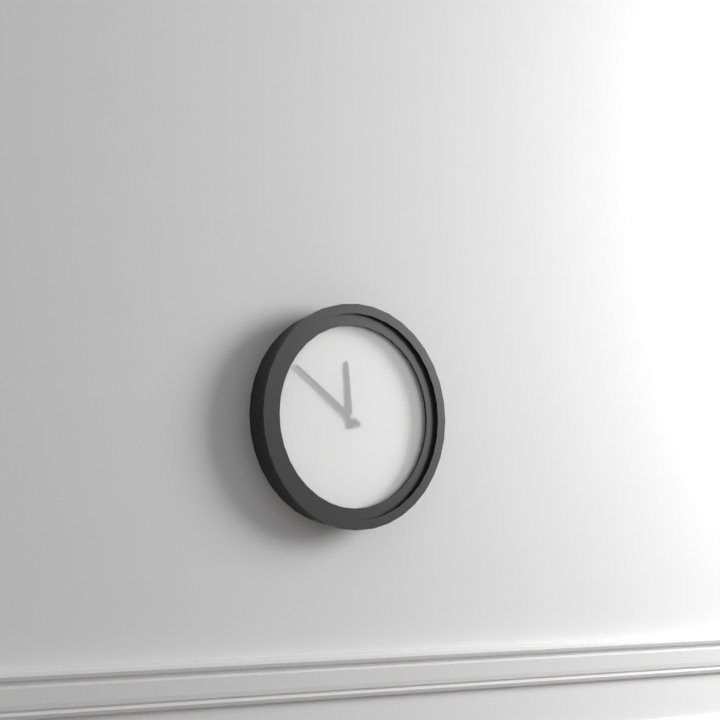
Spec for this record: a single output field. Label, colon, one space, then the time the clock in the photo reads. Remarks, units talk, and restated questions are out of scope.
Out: 11:51
